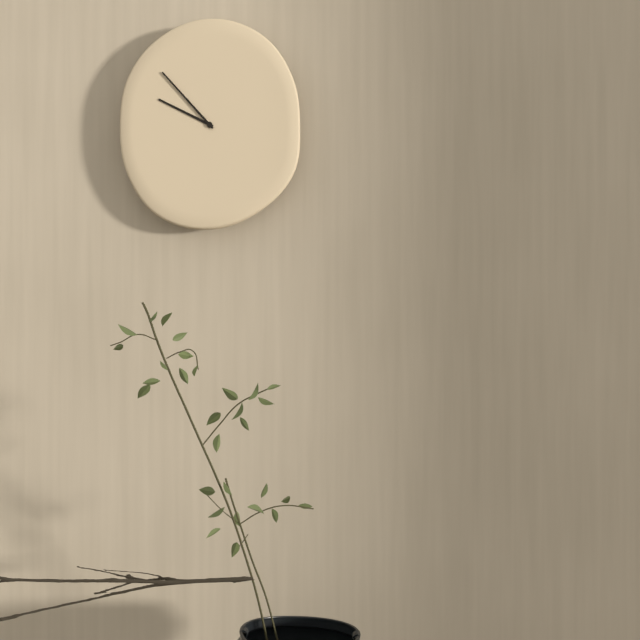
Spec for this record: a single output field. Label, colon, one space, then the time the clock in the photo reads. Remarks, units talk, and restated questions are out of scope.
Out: 9:53
